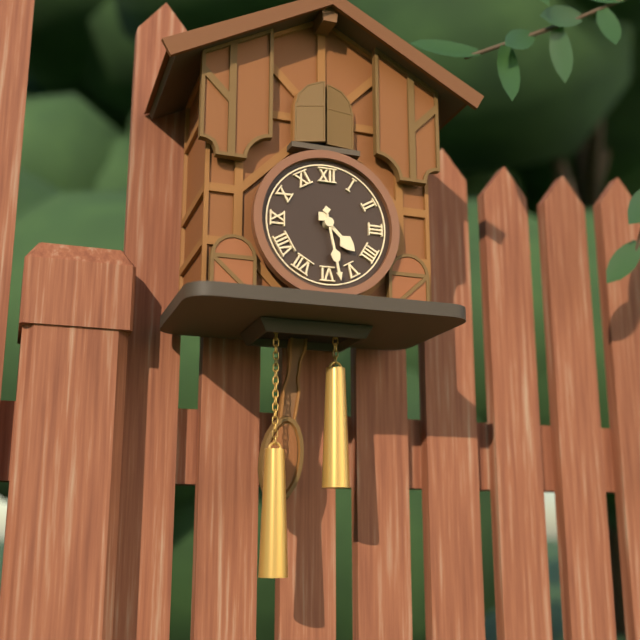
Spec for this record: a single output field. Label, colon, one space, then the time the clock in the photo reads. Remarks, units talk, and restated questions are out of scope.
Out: 4:28
